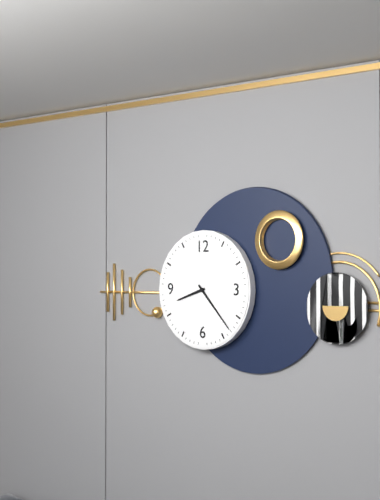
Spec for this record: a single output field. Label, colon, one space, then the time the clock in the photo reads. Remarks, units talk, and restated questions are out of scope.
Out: 8:23
